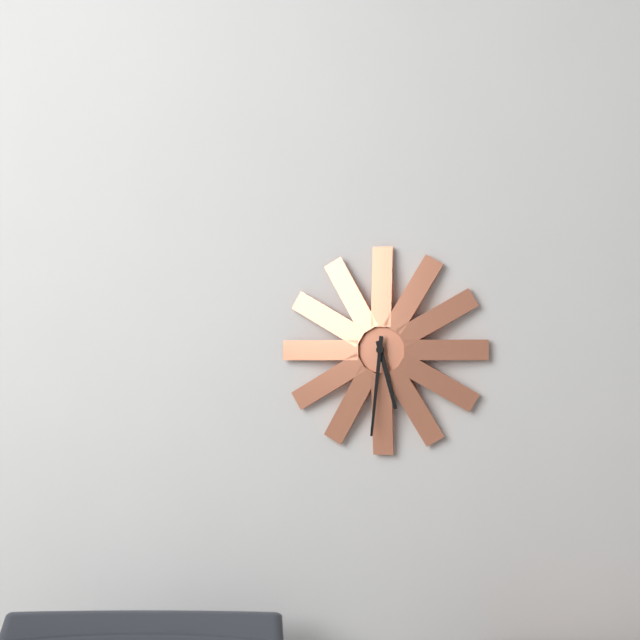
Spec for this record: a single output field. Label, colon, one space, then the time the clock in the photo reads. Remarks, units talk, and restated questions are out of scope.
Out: 5:31
